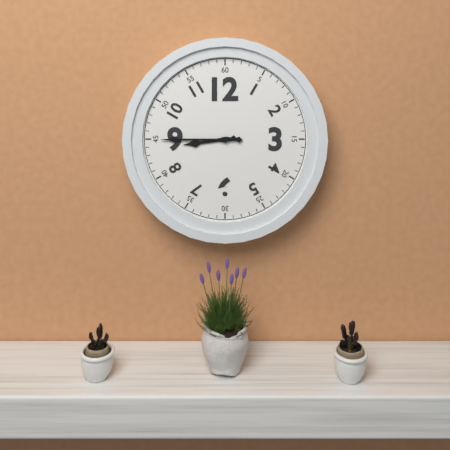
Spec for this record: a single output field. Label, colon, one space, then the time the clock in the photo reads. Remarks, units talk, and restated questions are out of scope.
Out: 8:45
